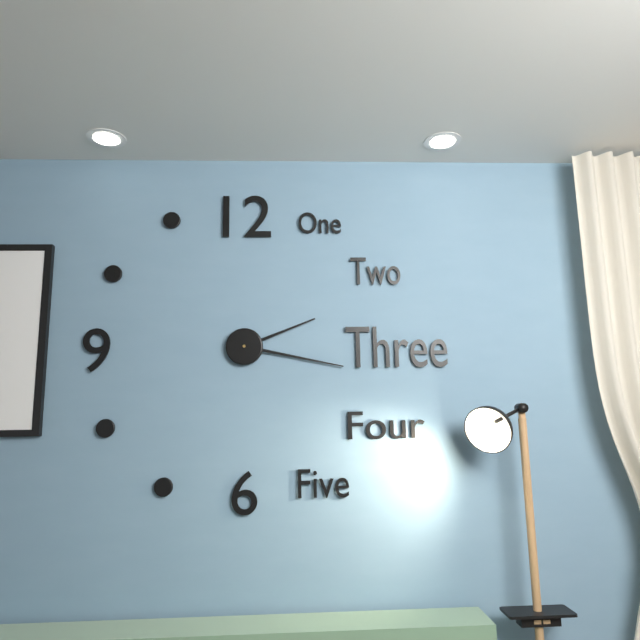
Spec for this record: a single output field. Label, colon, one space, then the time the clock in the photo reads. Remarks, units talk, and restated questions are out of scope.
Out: 2:17
